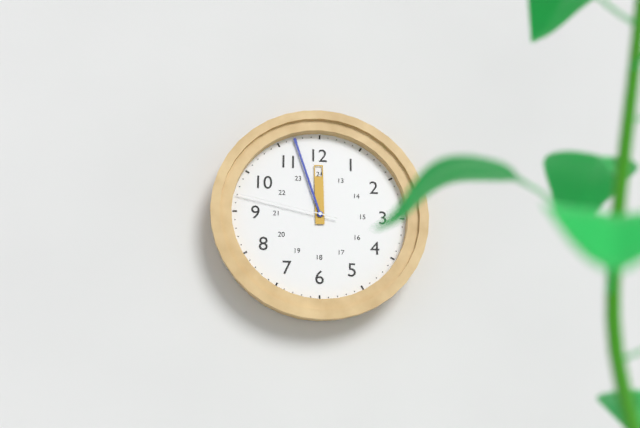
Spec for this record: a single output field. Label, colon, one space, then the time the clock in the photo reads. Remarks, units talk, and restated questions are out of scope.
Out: 11:57:47
